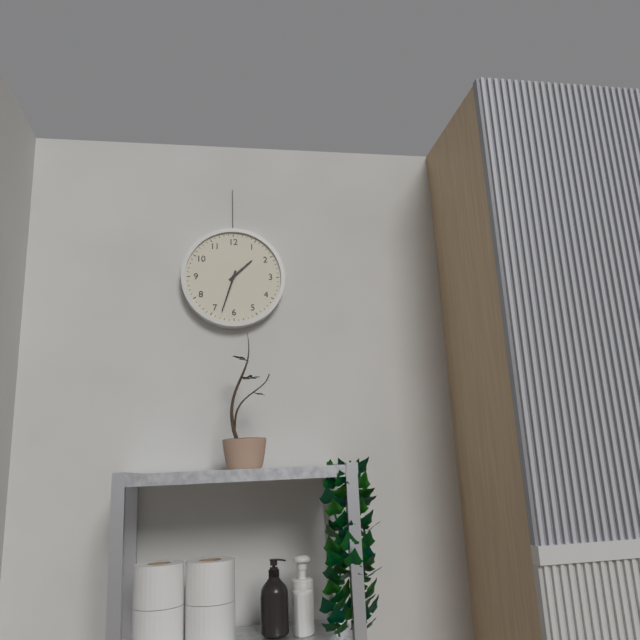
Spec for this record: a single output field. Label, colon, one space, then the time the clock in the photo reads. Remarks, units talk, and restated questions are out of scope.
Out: 1:33
